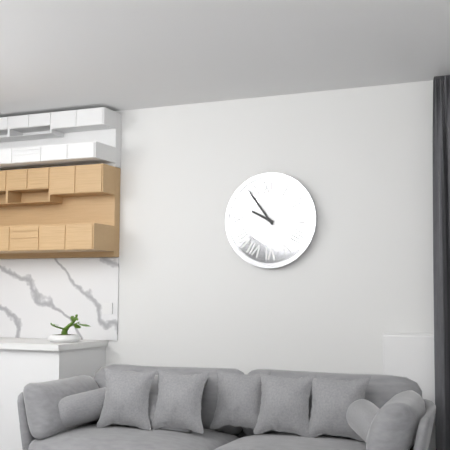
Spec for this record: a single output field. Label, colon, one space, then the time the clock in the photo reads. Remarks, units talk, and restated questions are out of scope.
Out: 9:54
